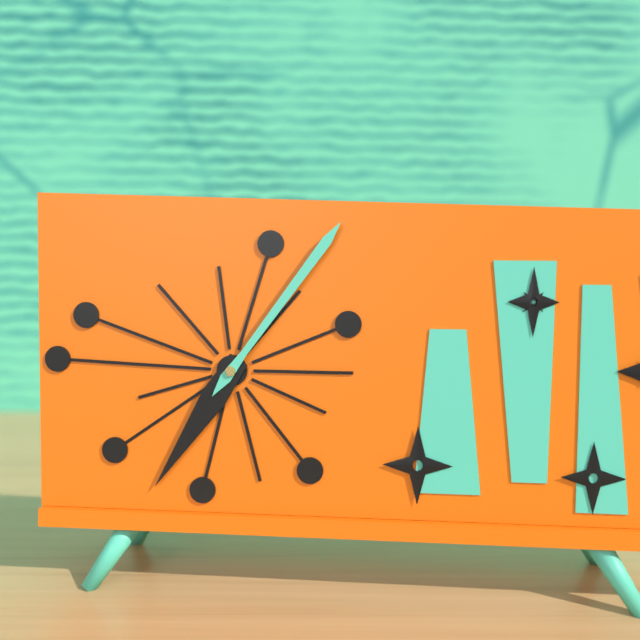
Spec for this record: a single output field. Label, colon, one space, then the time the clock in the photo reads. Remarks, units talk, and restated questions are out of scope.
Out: 7:06
